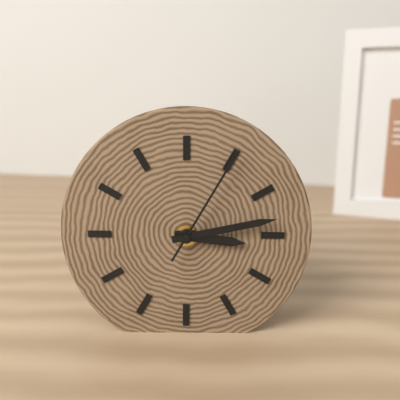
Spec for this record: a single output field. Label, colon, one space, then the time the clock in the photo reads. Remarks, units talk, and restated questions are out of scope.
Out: 3:13:05
